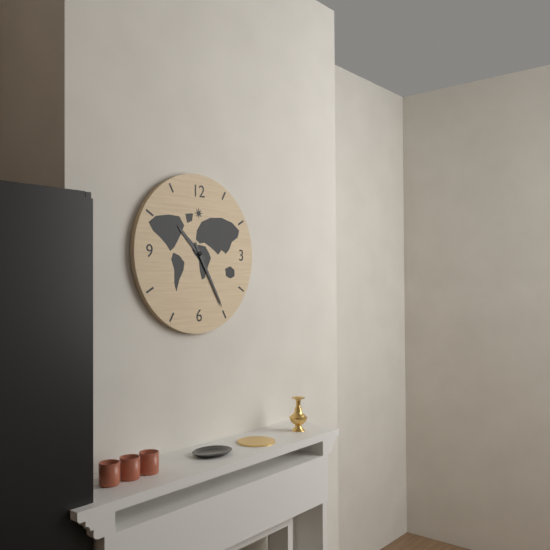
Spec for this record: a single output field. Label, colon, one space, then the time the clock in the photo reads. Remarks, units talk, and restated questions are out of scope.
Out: 10:25
